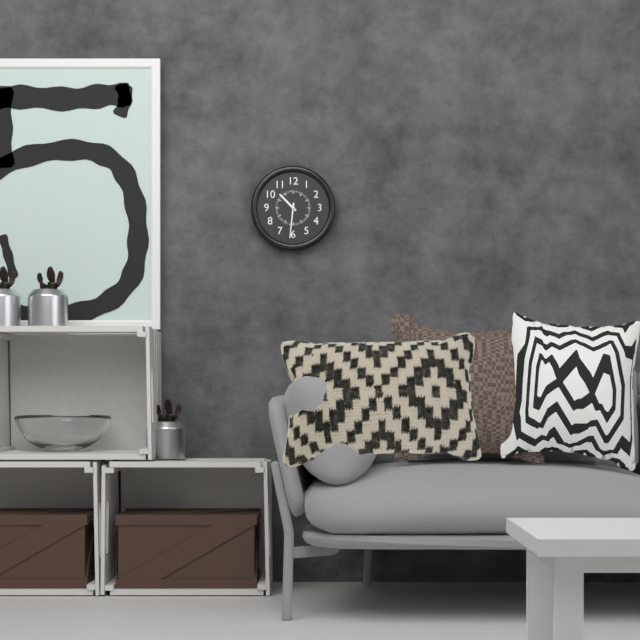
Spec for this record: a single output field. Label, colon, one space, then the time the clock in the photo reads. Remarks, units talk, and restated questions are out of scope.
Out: 10:31
